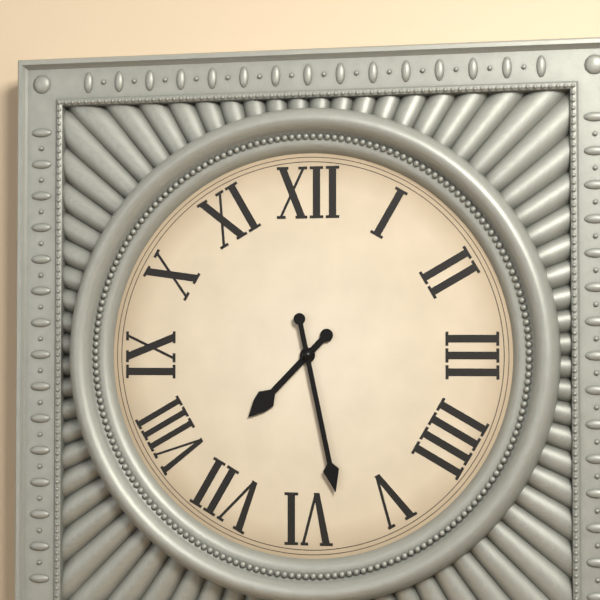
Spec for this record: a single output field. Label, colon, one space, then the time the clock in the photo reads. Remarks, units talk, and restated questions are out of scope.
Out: 7:28
